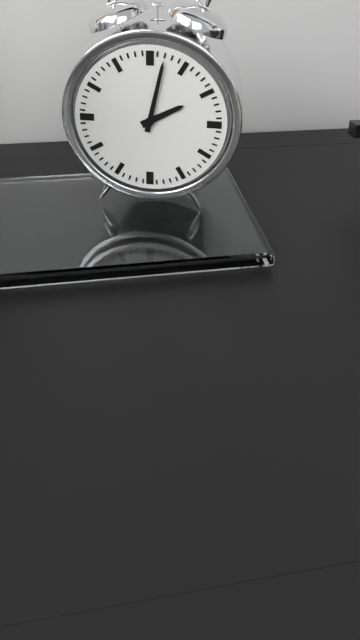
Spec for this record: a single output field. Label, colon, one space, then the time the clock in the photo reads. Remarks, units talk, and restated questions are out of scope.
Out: 2:02
